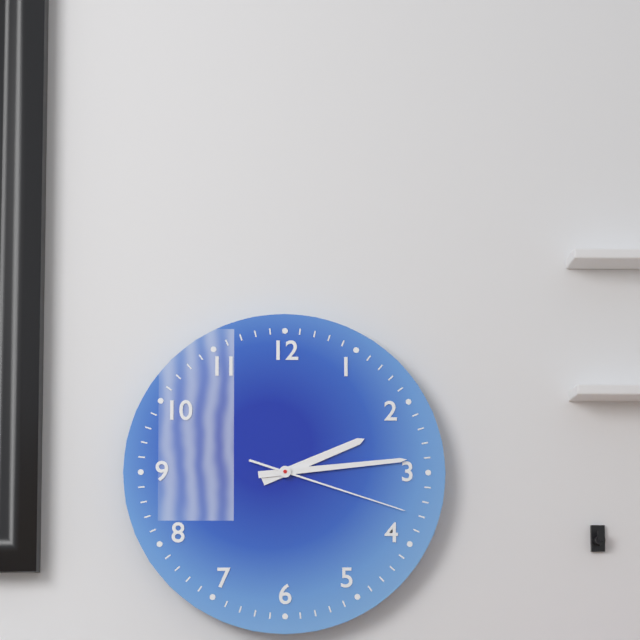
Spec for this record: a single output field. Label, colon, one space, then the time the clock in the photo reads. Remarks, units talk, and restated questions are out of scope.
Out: 2:14:18
